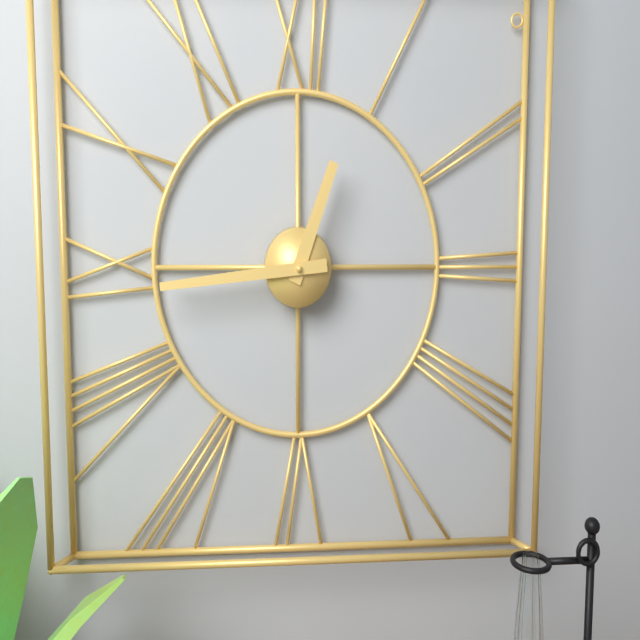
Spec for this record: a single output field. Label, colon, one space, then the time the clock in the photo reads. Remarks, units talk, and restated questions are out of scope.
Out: 12:44
